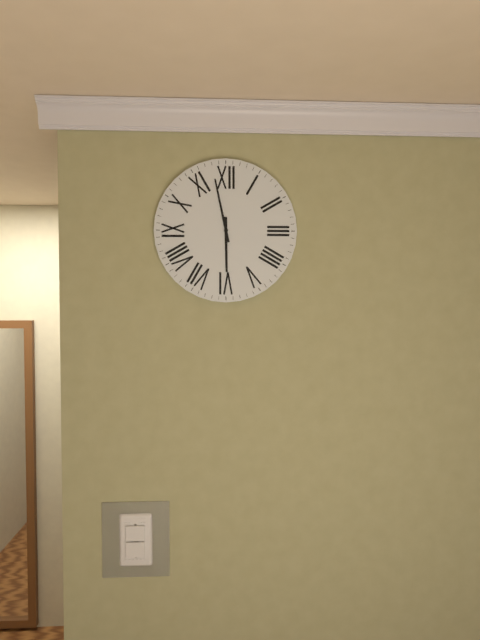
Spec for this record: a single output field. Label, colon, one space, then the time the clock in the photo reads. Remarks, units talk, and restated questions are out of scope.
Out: 5:58
